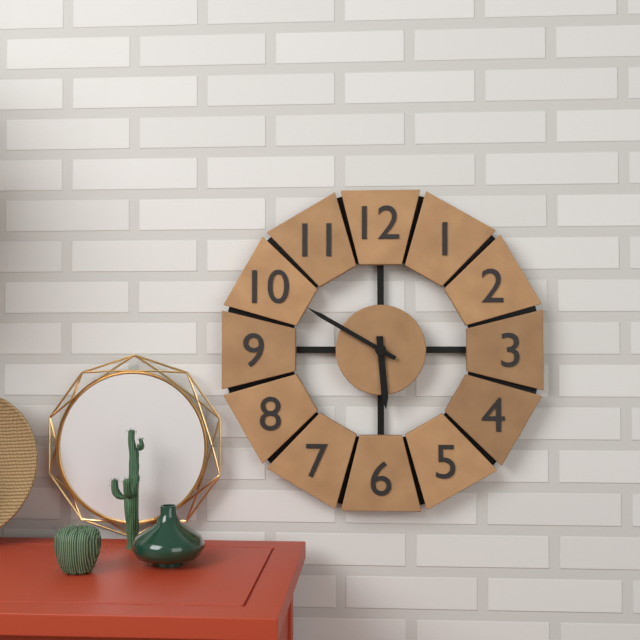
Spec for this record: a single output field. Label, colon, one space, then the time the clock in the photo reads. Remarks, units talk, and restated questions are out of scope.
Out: 5:50
